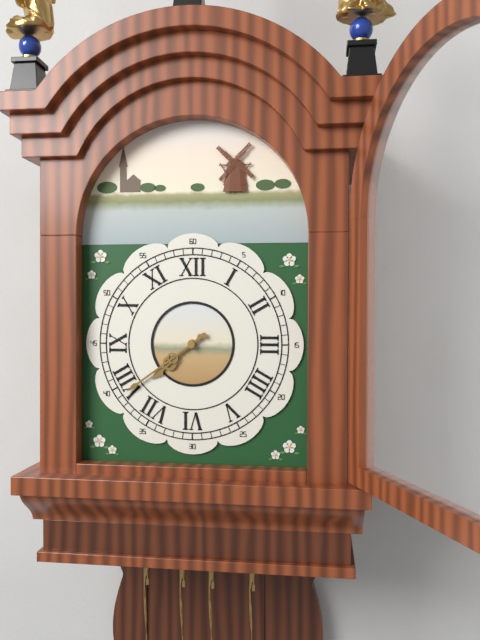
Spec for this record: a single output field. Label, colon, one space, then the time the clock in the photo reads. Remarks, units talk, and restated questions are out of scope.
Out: 7:39
